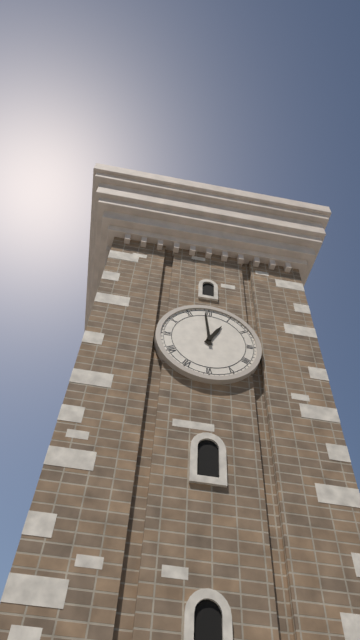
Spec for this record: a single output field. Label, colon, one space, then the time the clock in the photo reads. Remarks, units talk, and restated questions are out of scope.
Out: 12:59
